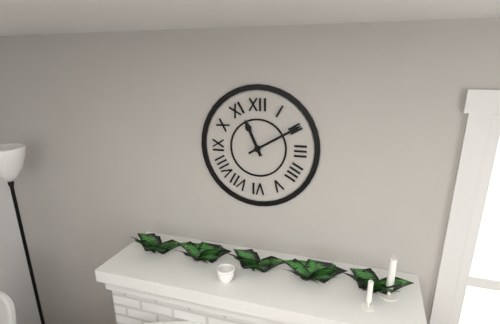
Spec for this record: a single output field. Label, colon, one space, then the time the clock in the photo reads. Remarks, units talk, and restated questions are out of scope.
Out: 11:10
